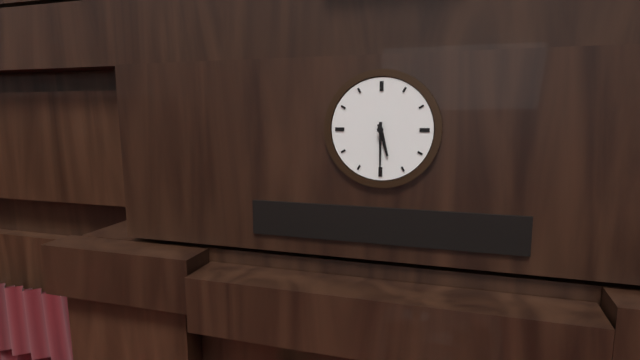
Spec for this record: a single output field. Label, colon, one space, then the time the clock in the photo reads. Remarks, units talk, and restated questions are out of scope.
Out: 5:30
